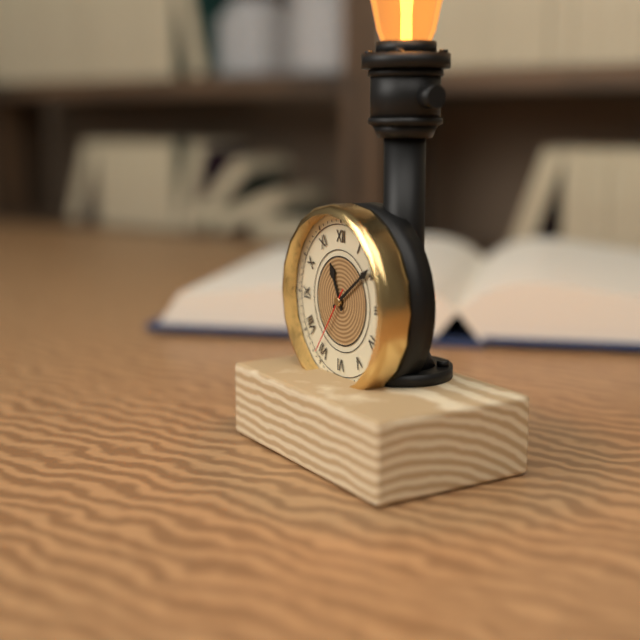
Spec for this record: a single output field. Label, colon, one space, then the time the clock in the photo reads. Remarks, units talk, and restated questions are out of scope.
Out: 11:09:36
